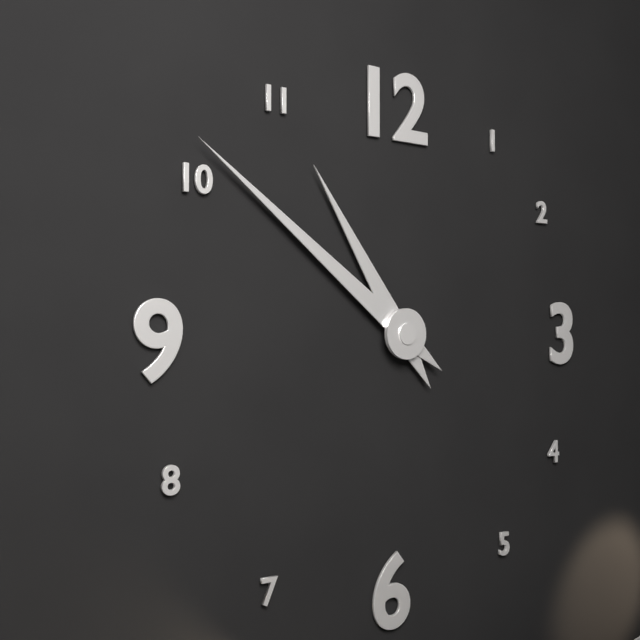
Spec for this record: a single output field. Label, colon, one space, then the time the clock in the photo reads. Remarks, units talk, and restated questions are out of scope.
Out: 10:51
